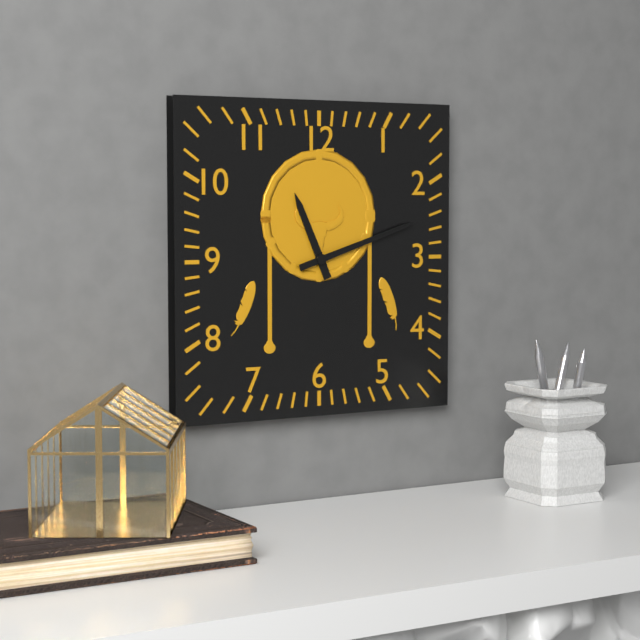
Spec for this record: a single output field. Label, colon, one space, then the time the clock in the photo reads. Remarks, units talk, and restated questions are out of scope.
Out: 11:12
